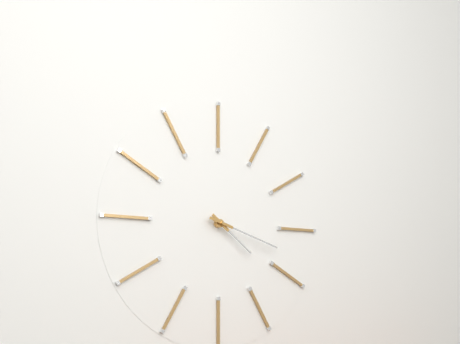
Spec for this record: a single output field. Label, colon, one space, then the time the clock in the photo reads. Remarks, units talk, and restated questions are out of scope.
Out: 4:18
